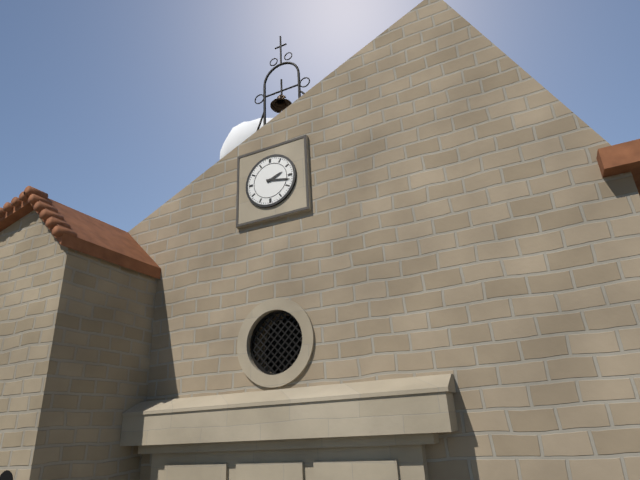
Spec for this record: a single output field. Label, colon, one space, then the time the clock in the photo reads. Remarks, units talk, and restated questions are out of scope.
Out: 2:17
